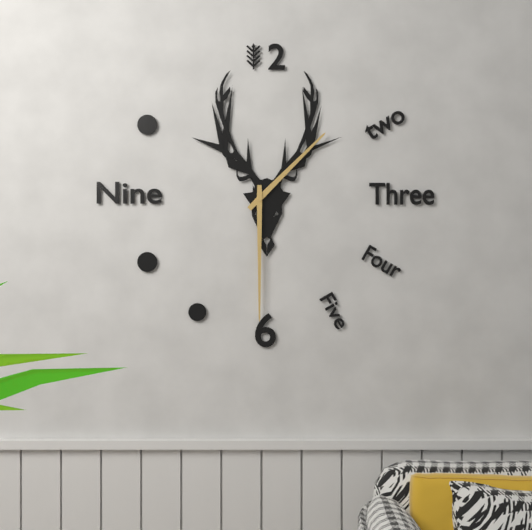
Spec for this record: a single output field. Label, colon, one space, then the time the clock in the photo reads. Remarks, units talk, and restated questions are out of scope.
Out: 1:30
